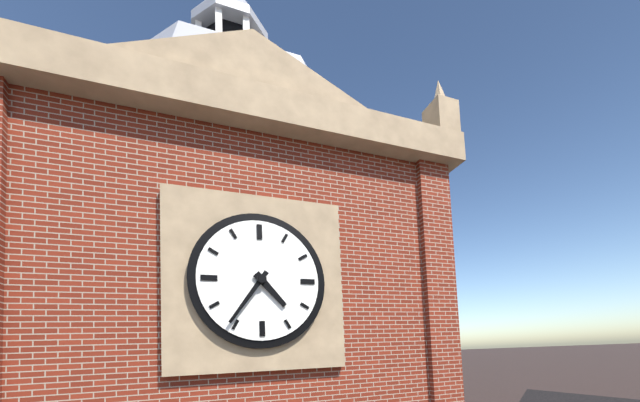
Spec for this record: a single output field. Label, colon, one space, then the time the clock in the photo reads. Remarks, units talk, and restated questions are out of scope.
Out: 4:36
